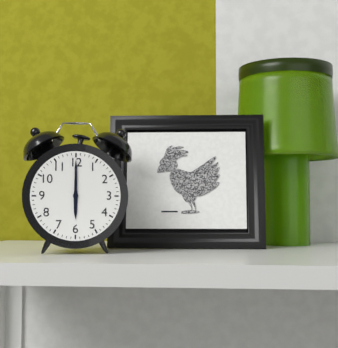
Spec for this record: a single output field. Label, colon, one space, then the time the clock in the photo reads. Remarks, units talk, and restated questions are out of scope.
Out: 6:00
